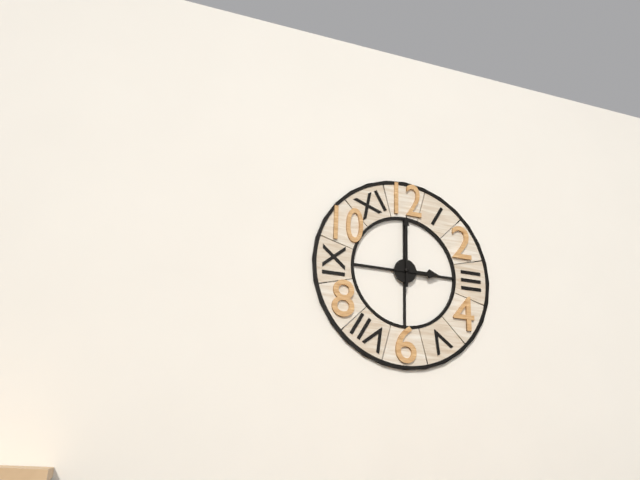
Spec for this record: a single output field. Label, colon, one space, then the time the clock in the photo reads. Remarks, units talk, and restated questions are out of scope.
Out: 3:00
